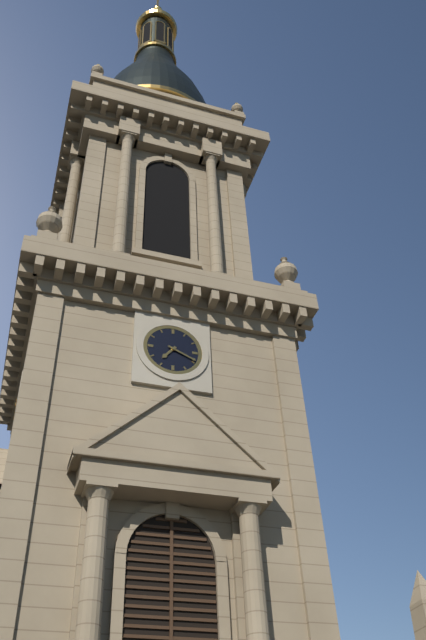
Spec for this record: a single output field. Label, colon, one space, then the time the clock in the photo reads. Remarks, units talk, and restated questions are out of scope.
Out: 7:19
